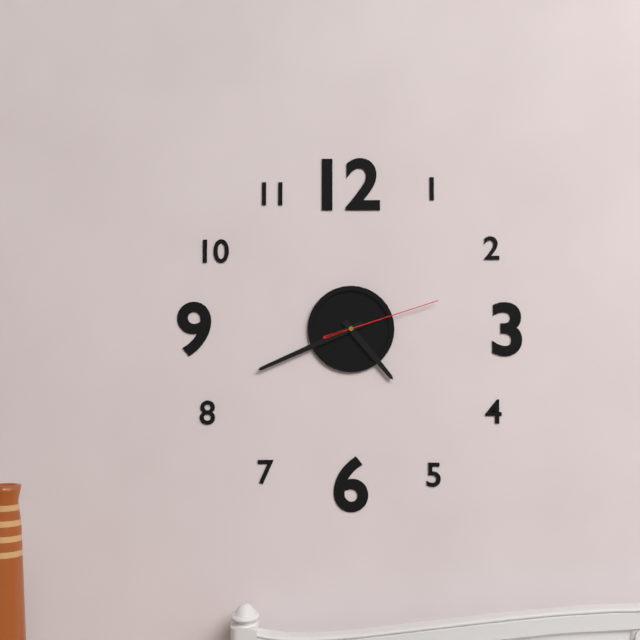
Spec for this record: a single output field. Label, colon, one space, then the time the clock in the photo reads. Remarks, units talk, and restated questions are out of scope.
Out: 4:41:12
